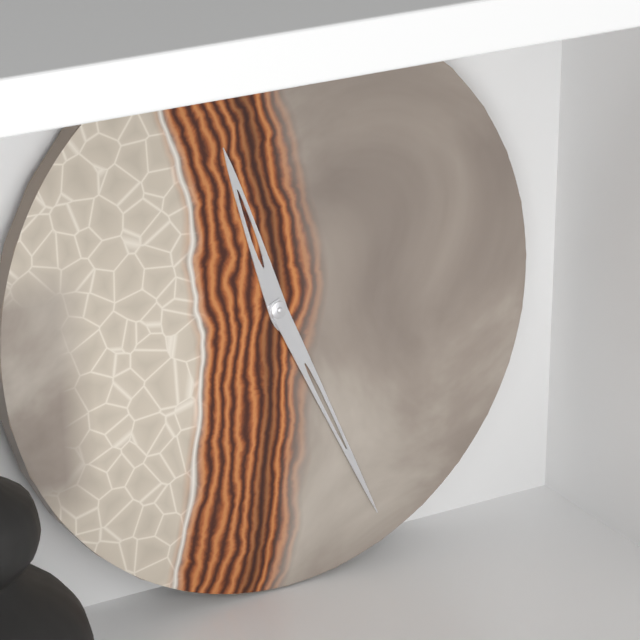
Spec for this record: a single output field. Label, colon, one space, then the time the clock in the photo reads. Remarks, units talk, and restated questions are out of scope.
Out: 11:26
